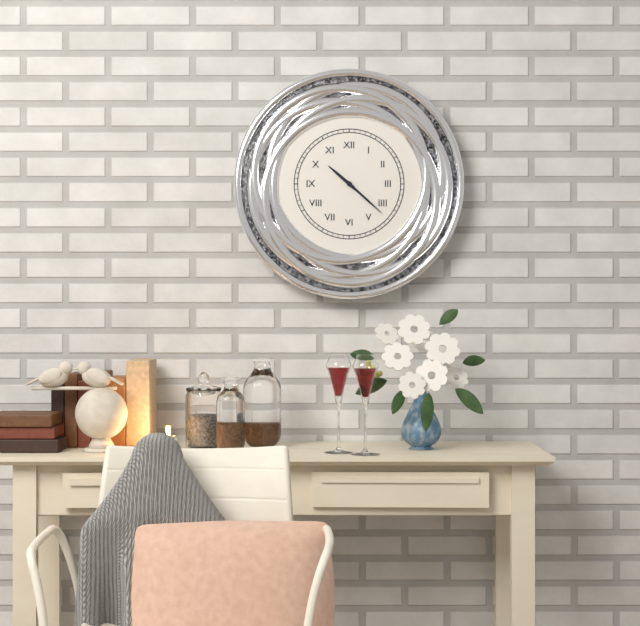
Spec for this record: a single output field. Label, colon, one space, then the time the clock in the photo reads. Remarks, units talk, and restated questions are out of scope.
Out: 10:22
